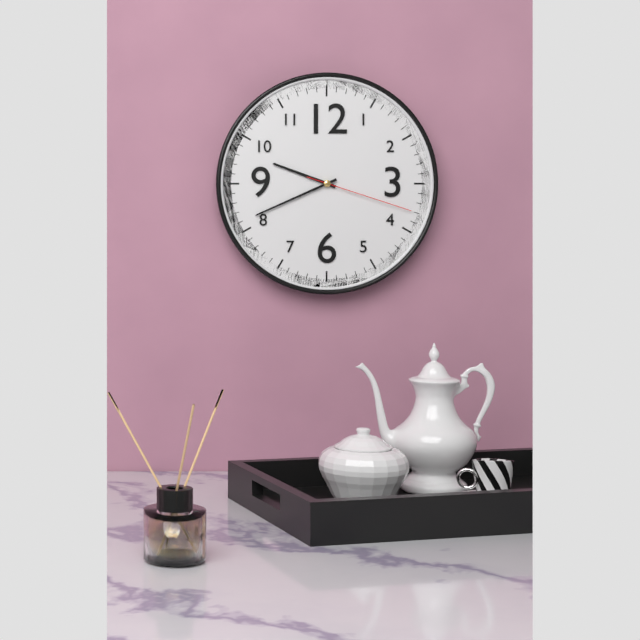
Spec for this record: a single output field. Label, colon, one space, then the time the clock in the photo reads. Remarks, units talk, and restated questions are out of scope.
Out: 9:41:18
